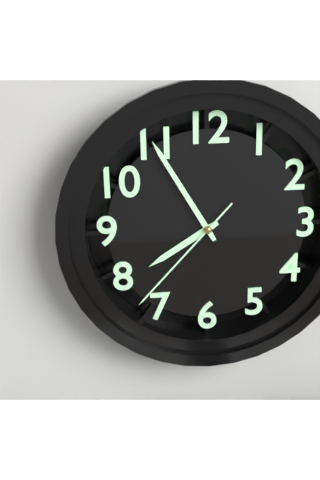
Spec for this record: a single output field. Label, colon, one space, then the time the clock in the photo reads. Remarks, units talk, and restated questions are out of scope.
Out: 7:55:37
